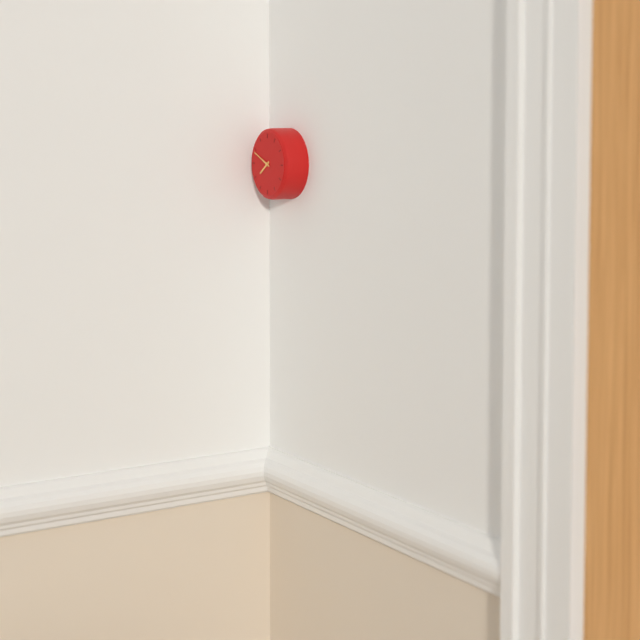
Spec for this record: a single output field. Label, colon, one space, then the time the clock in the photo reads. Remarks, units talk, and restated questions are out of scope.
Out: 7:49
